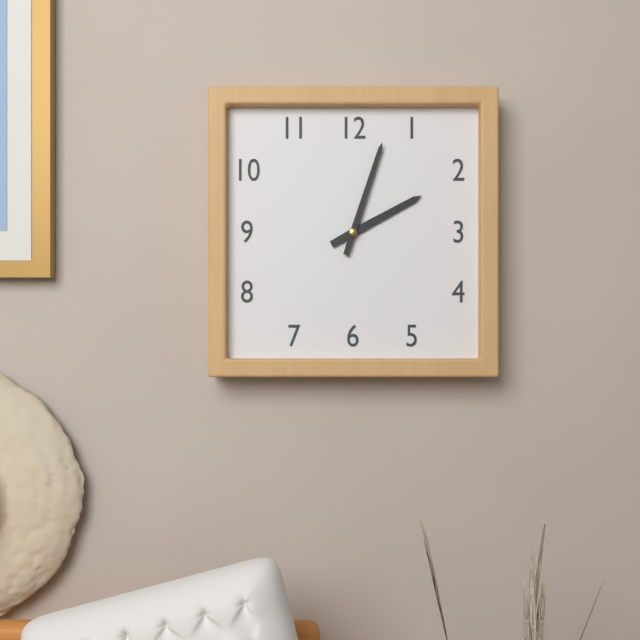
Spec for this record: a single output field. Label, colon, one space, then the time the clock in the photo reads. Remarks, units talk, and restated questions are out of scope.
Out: 2:03
